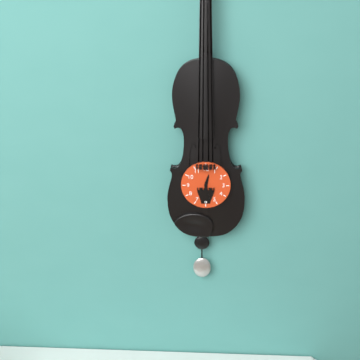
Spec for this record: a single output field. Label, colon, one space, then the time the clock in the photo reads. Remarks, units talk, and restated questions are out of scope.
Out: 12:28
